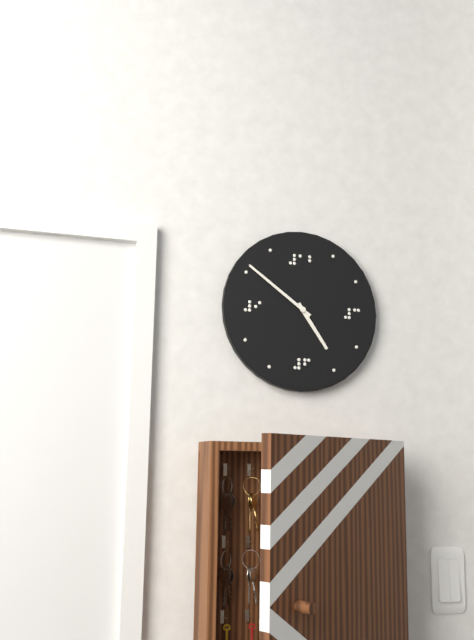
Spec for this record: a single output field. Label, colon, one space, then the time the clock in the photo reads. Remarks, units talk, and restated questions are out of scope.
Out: 4:51
